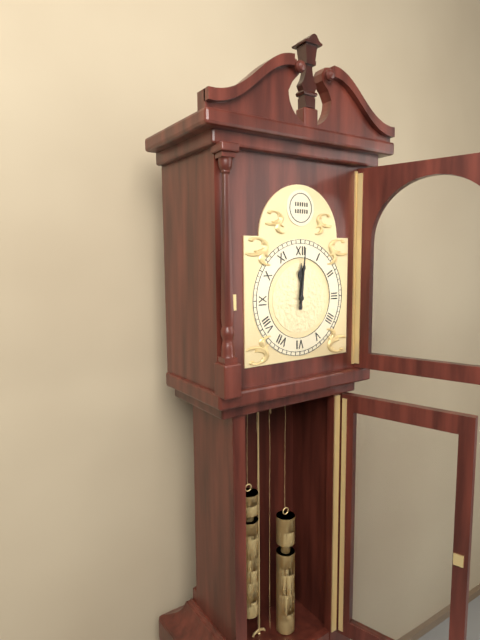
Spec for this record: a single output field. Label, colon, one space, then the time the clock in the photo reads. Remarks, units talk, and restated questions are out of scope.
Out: 12:01
